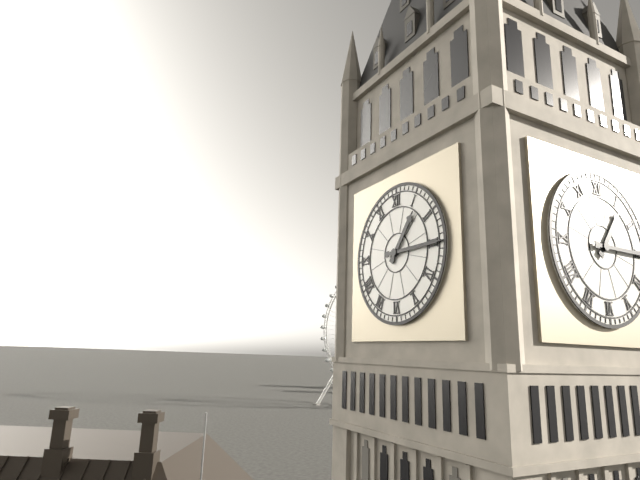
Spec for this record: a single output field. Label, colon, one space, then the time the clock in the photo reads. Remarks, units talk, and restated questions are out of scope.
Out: 1:15
